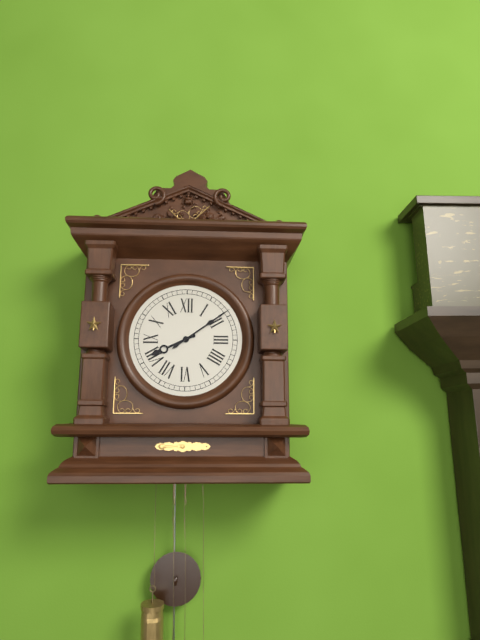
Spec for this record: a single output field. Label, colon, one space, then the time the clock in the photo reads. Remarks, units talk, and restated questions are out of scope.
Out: 8:09
